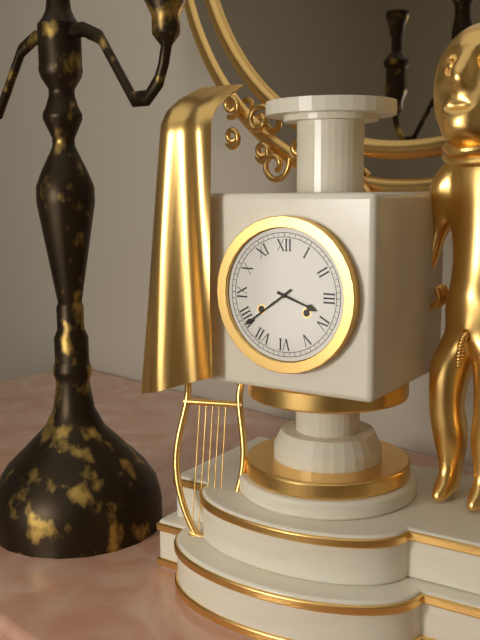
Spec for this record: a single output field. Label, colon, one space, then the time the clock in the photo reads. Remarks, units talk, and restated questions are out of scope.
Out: 3:39
